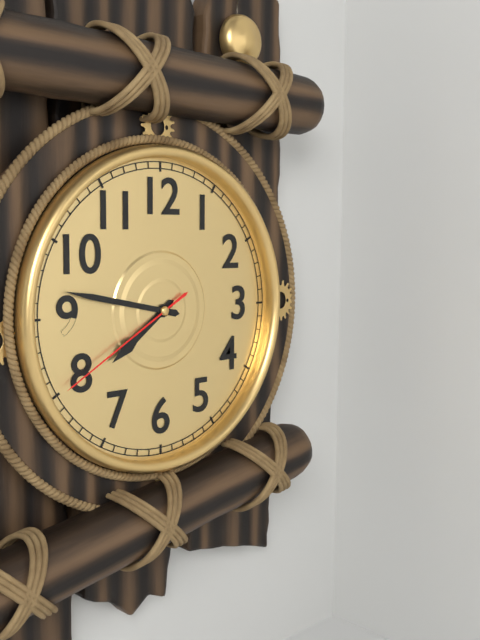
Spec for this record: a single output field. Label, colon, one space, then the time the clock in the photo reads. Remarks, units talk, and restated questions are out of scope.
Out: 7:47:40
